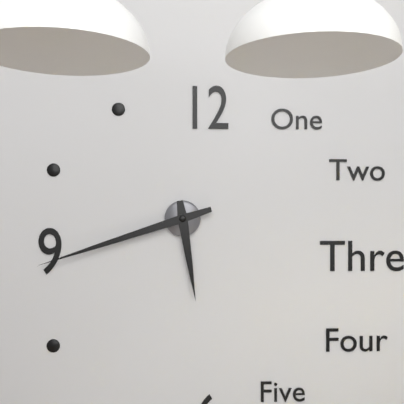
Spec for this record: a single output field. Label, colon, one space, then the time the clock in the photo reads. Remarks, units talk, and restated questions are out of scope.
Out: 5:42
